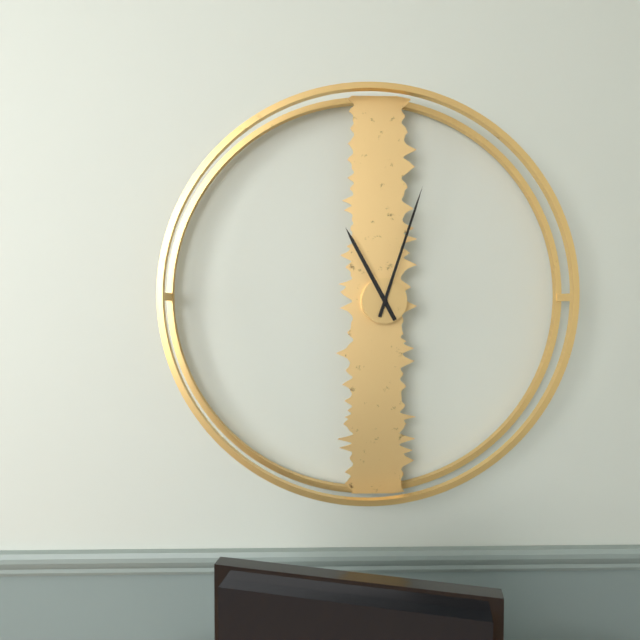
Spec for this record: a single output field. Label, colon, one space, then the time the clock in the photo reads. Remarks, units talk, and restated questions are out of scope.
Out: 11:03
